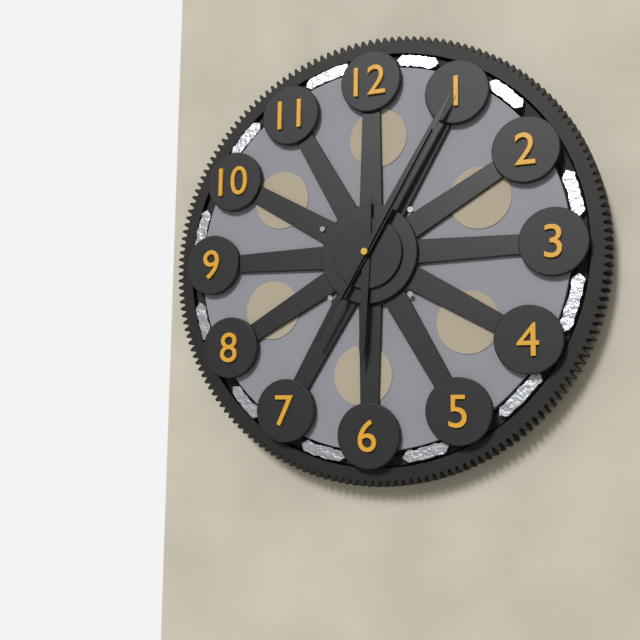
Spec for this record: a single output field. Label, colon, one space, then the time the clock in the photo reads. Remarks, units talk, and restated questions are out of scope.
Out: 6:05:05
